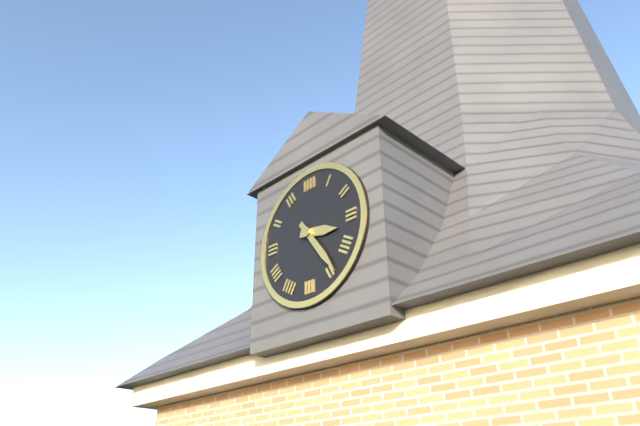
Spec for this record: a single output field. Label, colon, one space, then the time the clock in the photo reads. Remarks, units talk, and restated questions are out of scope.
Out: 3:24
